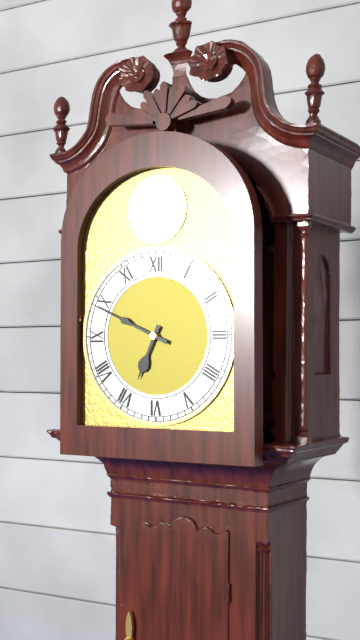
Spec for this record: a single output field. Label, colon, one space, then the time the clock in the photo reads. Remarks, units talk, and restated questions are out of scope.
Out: 6:49
